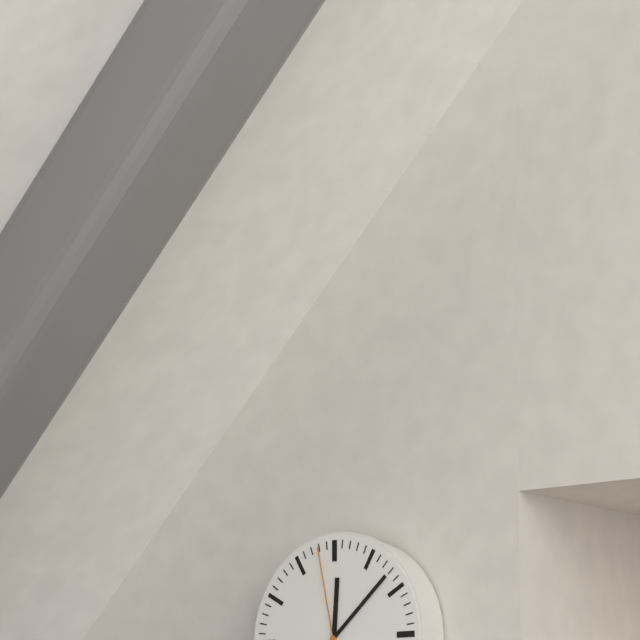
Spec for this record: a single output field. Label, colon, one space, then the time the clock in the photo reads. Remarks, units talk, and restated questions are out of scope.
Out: 12:08:58
